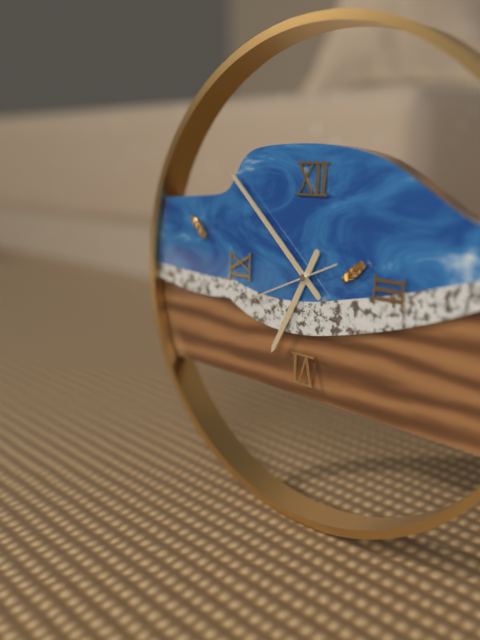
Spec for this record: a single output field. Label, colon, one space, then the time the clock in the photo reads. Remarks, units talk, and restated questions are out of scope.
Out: 6:52:41
